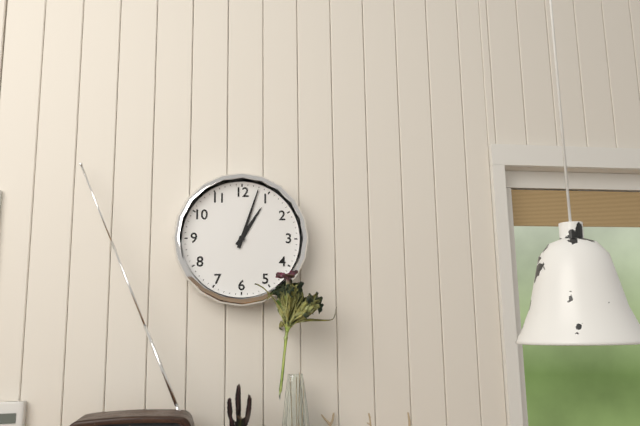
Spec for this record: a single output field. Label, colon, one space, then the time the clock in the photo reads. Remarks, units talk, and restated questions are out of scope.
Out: 1:03
